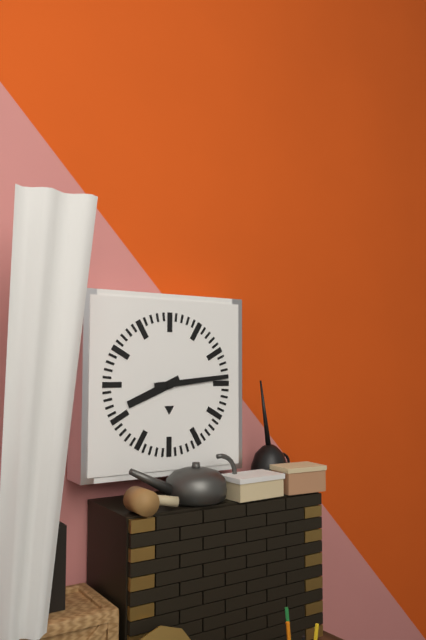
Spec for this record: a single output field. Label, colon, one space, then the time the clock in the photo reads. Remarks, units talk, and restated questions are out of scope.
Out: 8:14
